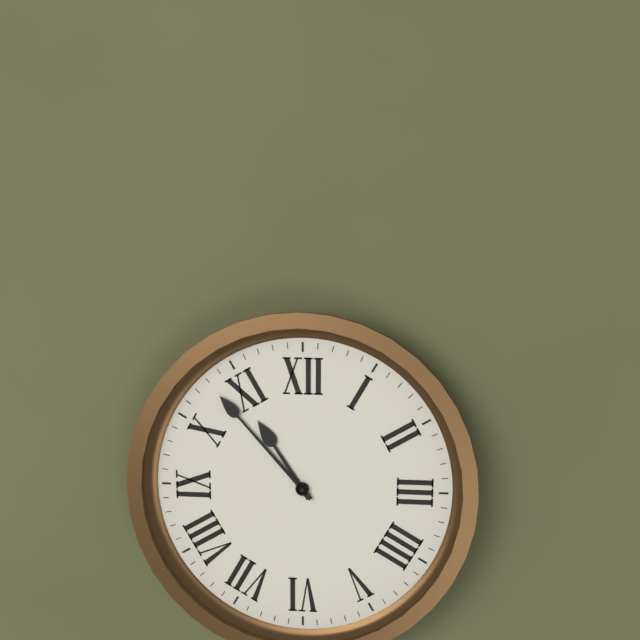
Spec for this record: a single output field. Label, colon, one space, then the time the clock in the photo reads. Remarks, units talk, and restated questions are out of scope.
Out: 10:53
